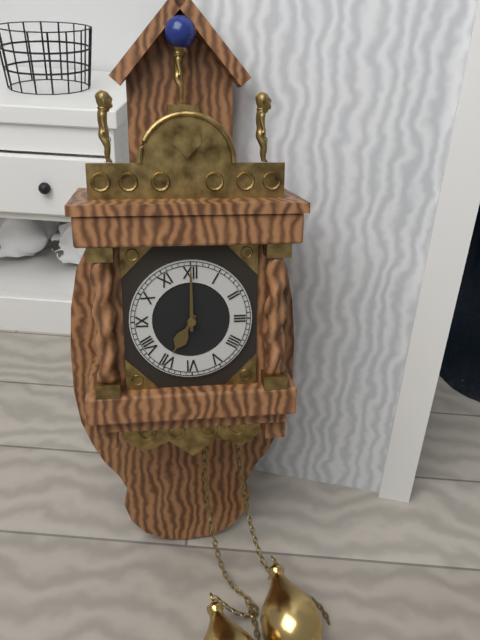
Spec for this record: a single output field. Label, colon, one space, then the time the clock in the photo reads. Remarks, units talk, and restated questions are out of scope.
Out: 7:00
